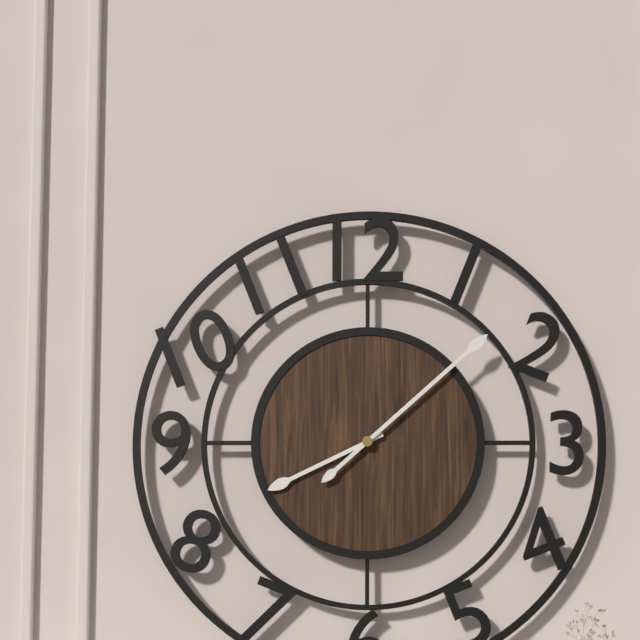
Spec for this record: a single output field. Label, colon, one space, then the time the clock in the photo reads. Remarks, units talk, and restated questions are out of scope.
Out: 8:08
